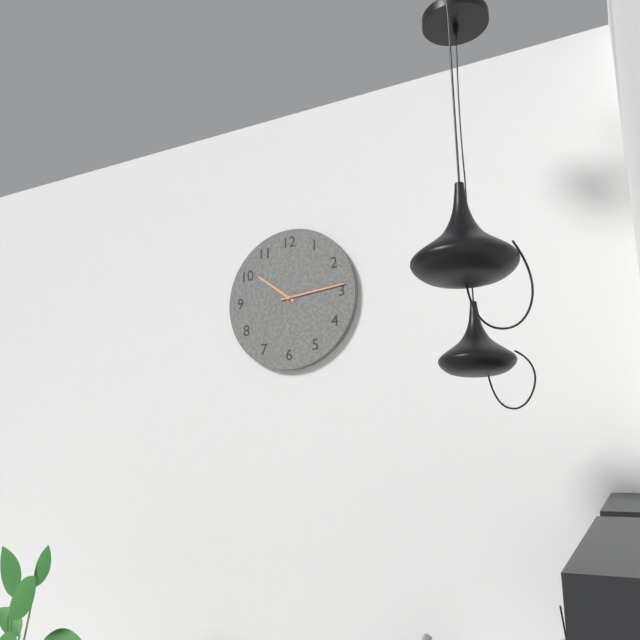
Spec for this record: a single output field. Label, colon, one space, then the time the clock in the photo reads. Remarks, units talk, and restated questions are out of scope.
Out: 10:14
